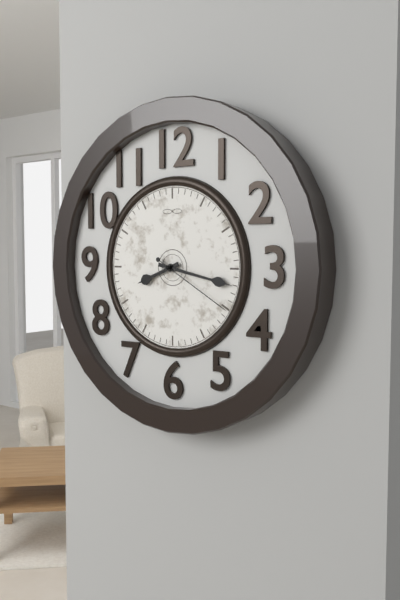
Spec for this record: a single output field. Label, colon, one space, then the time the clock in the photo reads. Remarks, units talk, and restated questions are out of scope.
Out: 8:17:20
